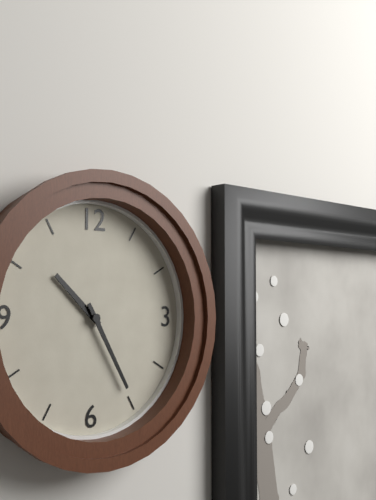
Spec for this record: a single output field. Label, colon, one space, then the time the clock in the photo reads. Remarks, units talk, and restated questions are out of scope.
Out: 10:25
